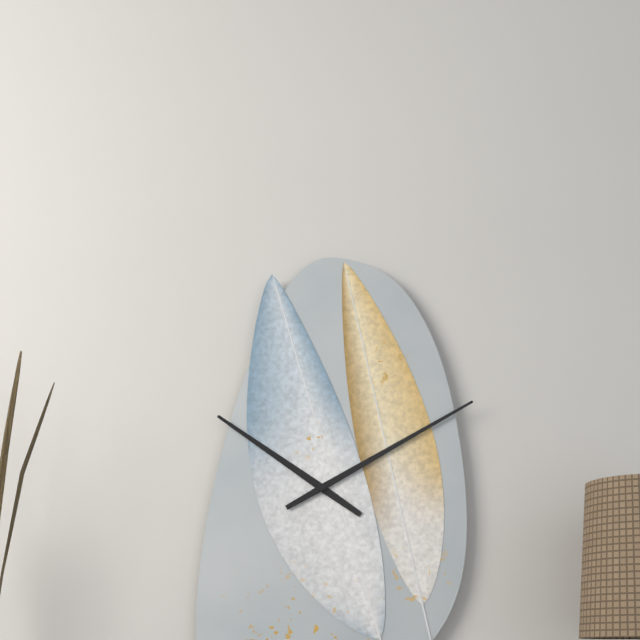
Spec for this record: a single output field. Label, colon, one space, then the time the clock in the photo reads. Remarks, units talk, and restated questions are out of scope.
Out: 10:10
